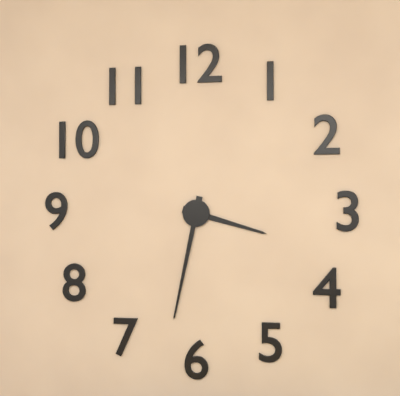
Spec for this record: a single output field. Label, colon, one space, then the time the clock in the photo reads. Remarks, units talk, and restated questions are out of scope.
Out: 3:32
